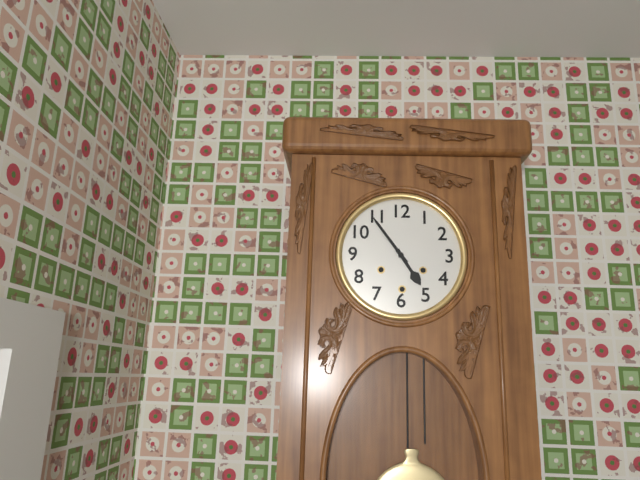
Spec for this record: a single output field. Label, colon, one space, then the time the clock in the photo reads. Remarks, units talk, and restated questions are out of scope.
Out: 4:54
